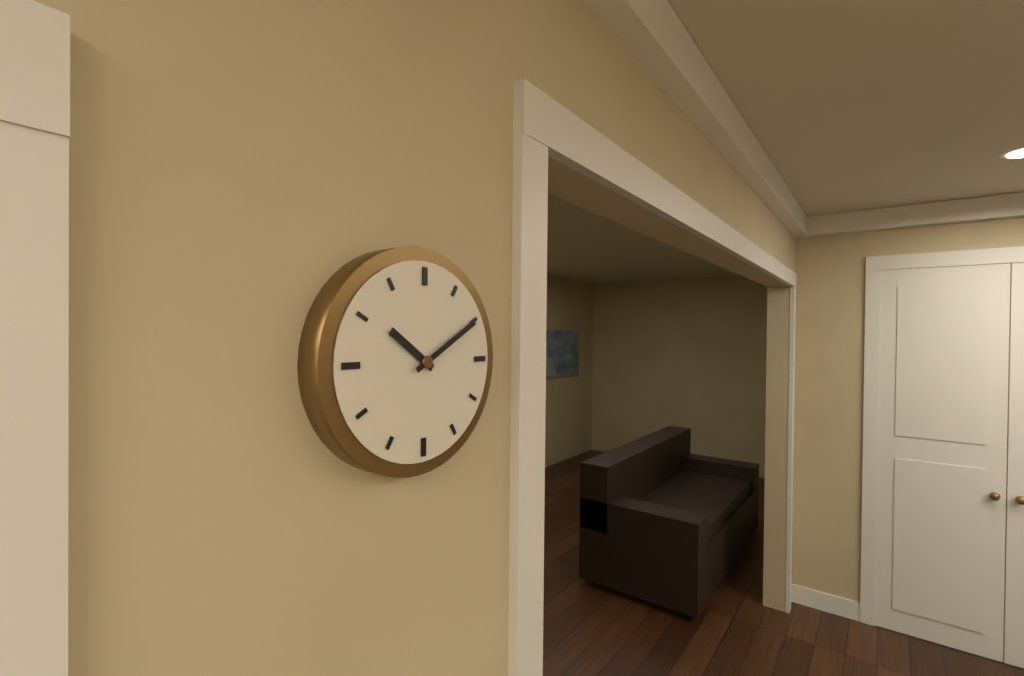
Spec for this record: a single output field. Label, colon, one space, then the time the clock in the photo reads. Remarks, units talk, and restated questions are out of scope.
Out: 10:10
